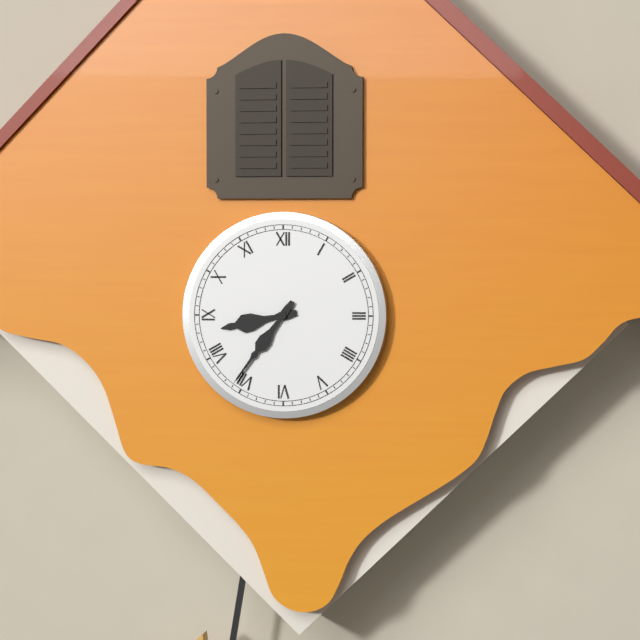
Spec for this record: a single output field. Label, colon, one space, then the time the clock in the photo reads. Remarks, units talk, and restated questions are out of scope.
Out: 8:36
